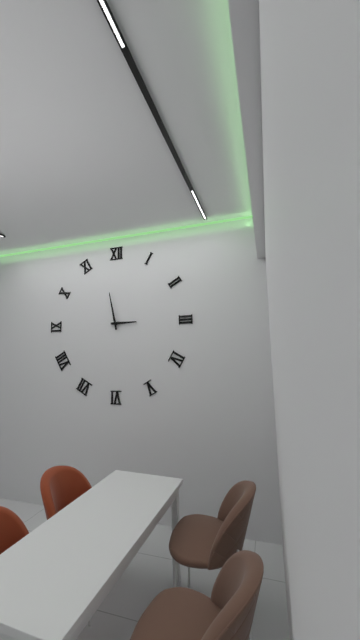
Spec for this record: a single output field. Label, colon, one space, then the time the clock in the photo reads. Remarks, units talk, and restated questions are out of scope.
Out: 2:58
